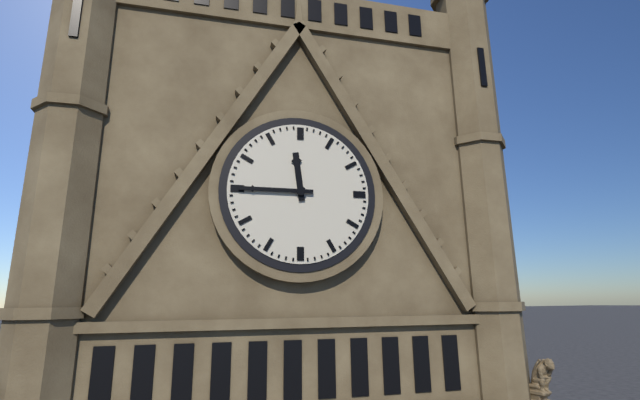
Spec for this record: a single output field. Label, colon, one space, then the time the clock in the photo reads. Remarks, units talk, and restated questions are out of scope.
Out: 11:45
